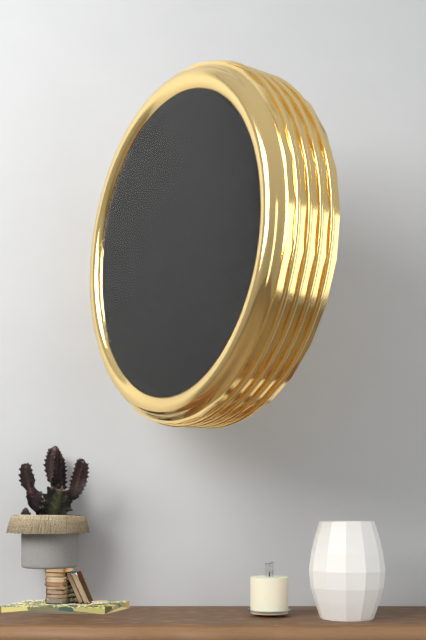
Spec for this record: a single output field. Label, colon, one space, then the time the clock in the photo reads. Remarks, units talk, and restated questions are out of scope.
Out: 6:25:17
